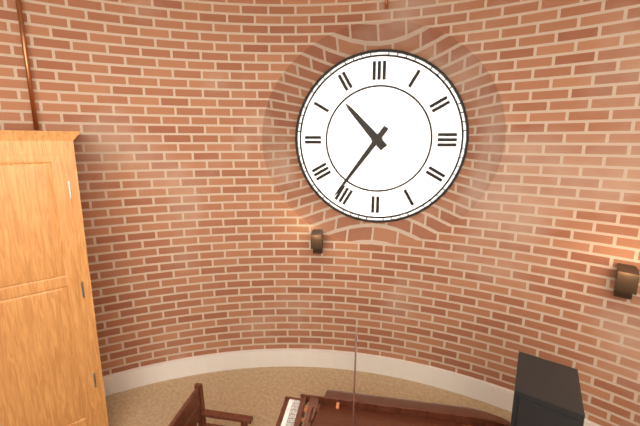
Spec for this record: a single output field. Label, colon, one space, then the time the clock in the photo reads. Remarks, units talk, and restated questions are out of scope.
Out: 10:36
